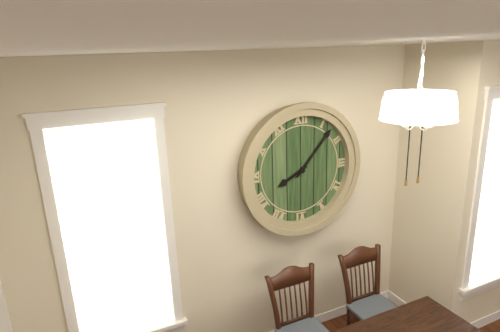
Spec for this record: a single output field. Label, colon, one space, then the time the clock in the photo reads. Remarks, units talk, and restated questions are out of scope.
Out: 8:07
